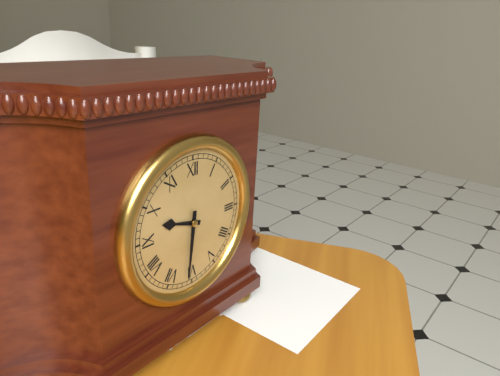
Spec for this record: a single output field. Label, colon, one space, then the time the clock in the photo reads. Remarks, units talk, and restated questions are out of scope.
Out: 9:31
